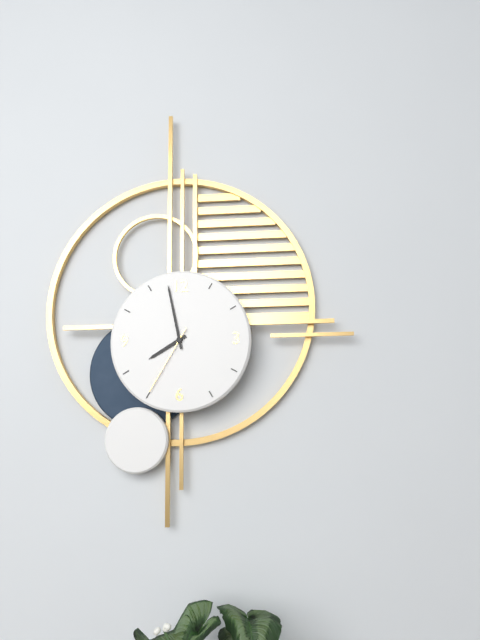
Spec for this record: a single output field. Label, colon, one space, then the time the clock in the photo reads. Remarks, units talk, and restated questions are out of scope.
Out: 7:58:35
